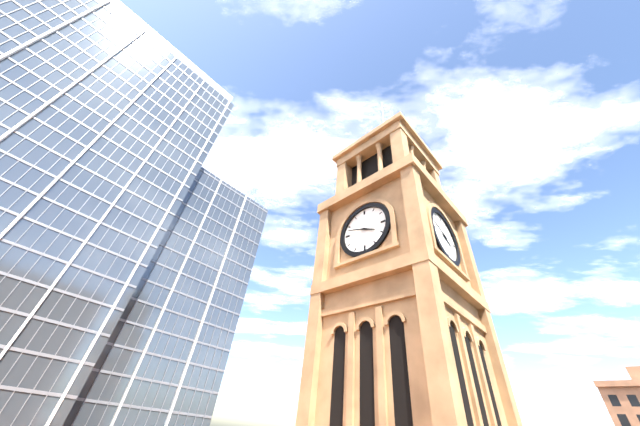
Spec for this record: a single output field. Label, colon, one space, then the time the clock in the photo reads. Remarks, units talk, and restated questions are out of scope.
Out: 3:48
